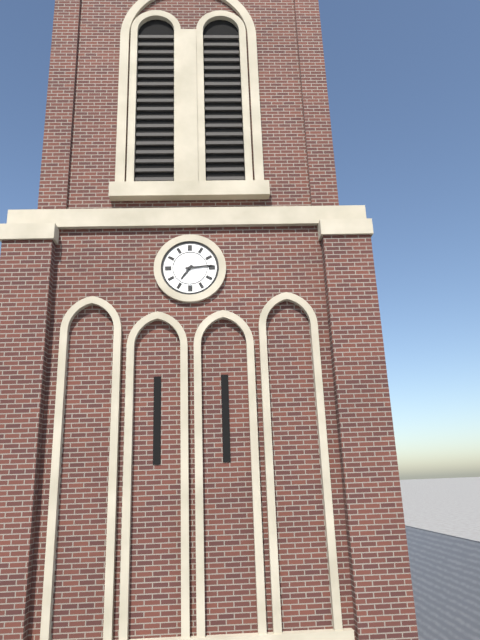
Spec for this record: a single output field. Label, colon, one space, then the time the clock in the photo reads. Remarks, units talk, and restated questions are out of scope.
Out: 7:14
